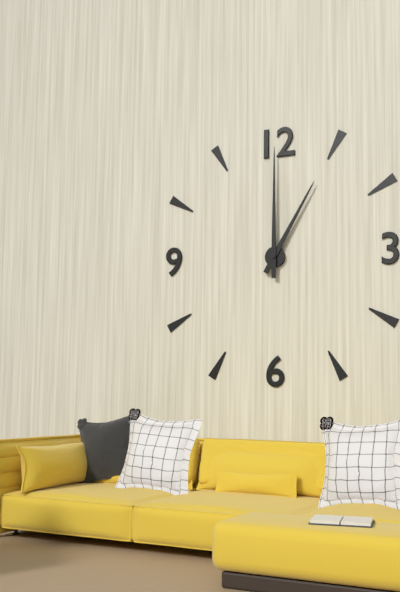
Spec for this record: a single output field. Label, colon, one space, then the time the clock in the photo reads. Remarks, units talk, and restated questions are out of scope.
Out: 1:00
